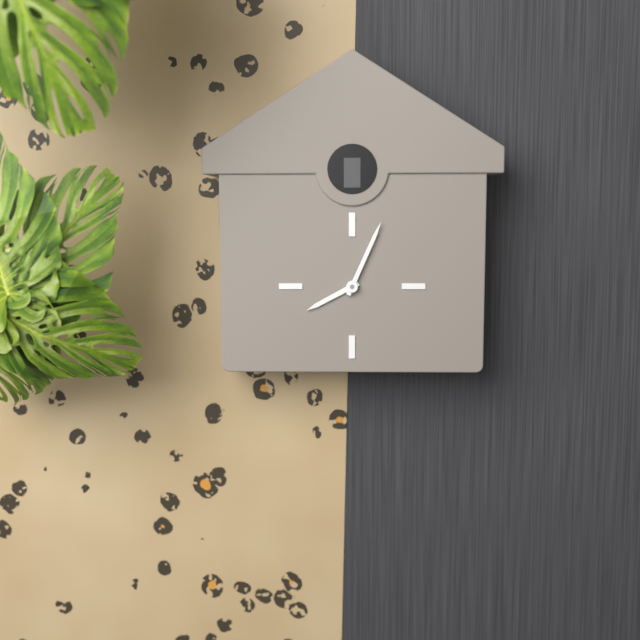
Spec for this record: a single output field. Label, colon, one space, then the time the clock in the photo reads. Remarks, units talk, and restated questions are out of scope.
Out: 8:04
